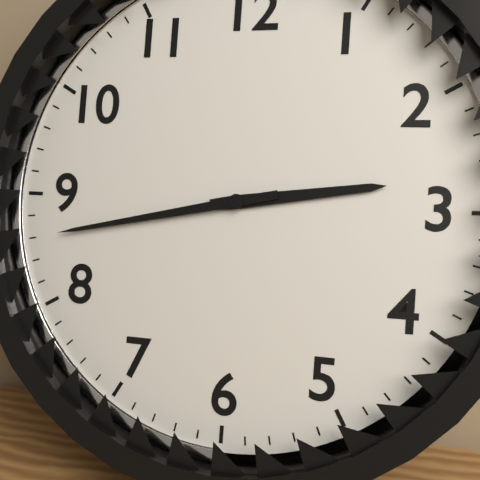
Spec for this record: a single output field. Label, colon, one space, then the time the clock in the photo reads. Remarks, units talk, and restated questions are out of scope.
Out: 2:43
